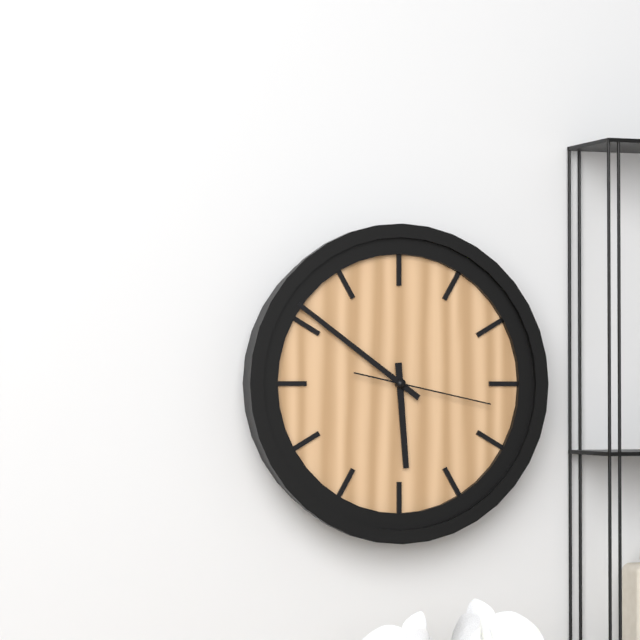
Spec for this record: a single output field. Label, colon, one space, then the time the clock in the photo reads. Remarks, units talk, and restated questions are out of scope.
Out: 5:51:17
